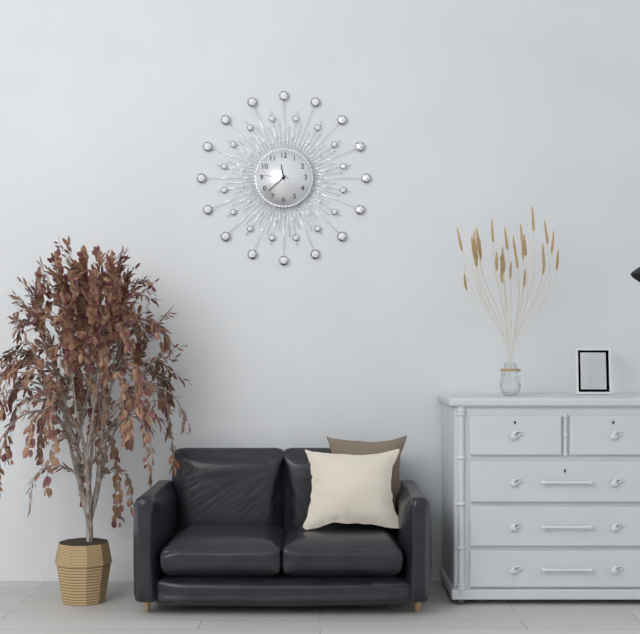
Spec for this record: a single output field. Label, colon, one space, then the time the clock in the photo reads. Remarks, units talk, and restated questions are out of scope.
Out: 11:38
